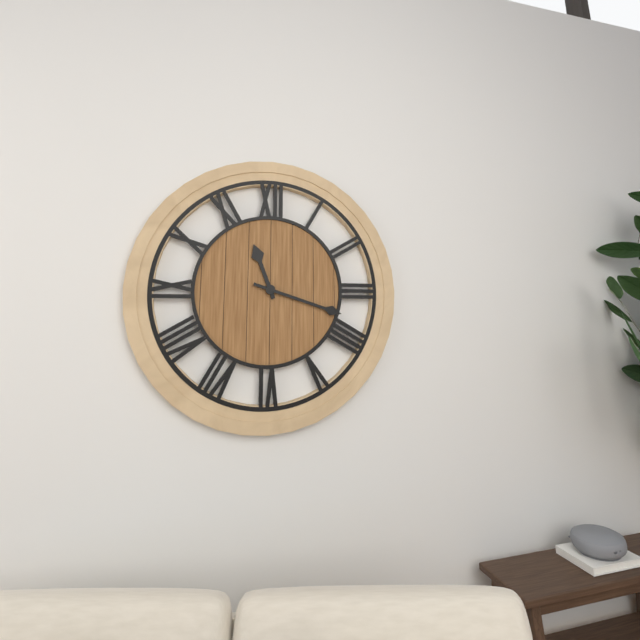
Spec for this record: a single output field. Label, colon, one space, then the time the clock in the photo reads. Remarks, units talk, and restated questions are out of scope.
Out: 11:18
